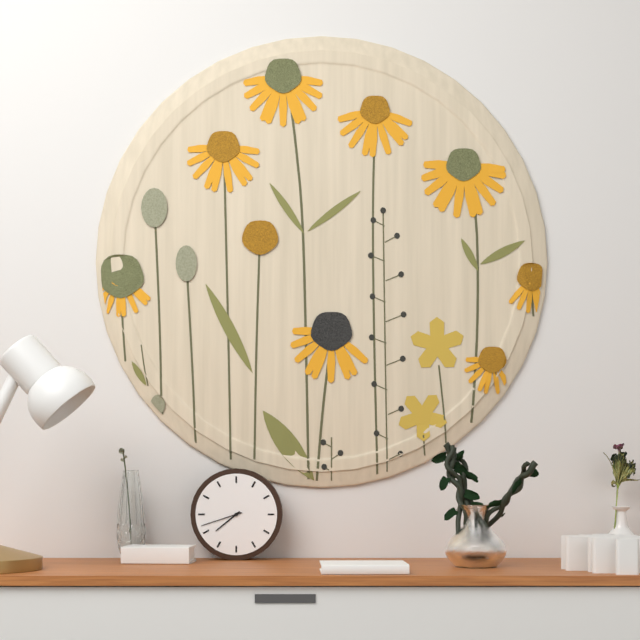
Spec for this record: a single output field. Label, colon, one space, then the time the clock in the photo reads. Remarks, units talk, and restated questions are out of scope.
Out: 7:42
